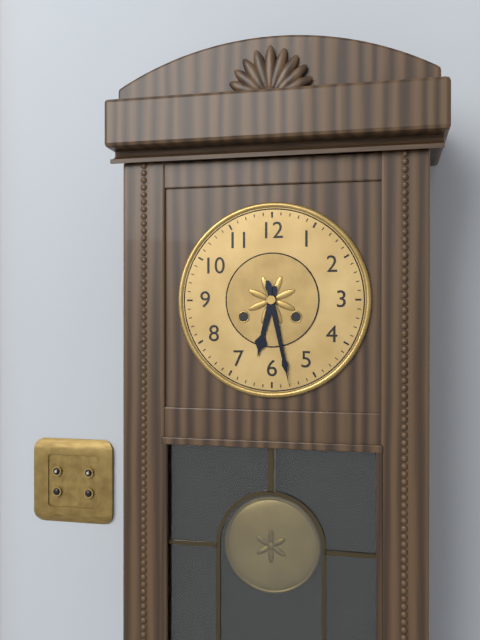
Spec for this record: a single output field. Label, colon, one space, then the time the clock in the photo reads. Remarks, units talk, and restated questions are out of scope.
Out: 6:28
